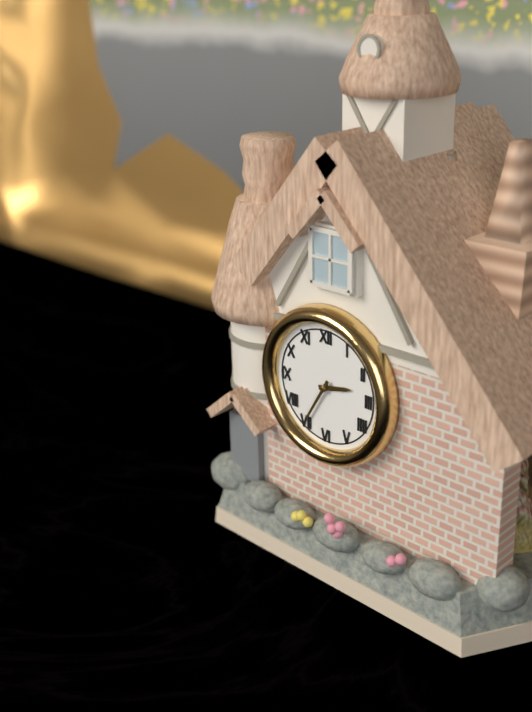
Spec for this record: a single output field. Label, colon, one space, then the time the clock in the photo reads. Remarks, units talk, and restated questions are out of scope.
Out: 2:35
